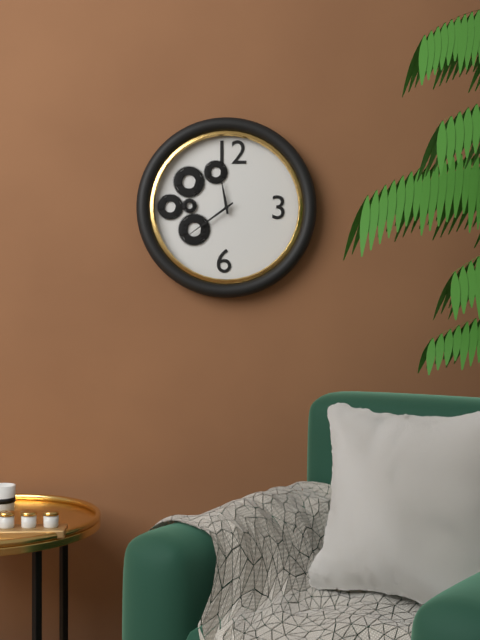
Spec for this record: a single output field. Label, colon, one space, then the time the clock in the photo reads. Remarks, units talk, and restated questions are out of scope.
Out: 11:39
